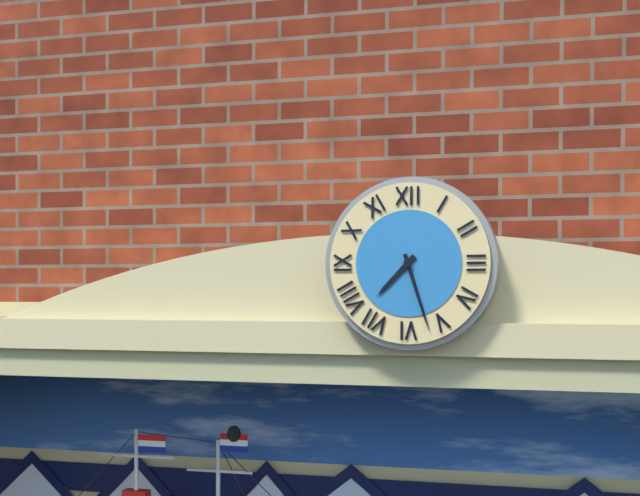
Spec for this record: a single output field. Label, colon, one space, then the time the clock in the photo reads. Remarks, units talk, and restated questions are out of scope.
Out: 7:27
